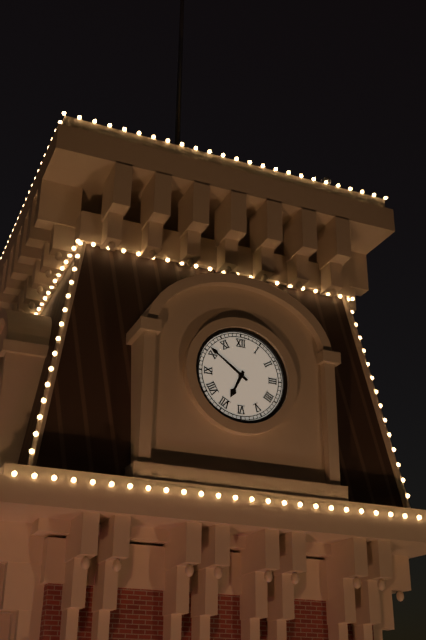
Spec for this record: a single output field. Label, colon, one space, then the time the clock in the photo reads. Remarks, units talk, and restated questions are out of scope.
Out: 6:51
